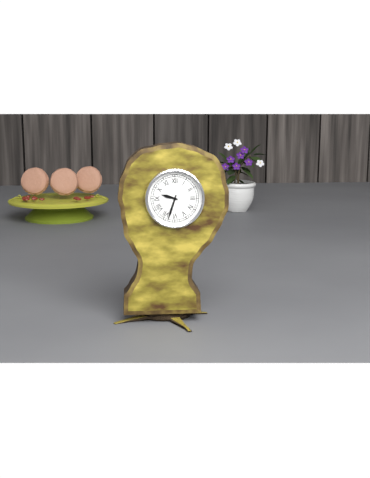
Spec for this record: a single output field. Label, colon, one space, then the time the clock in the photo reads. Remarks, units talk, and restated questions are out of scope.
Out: 9:33
